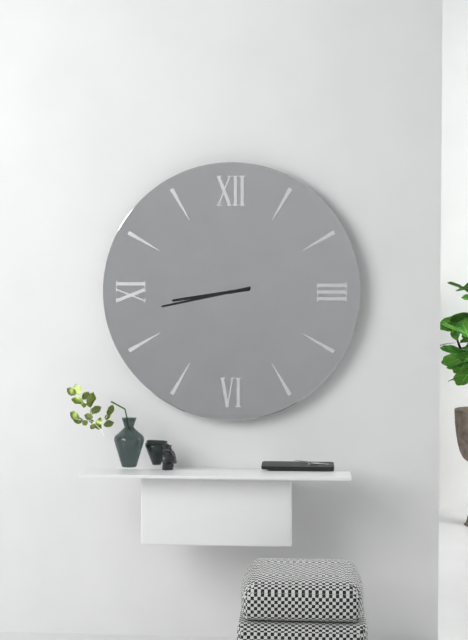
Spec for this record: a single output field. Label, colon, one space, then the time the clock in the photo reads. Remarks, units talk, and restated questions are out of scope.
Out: 8:43
